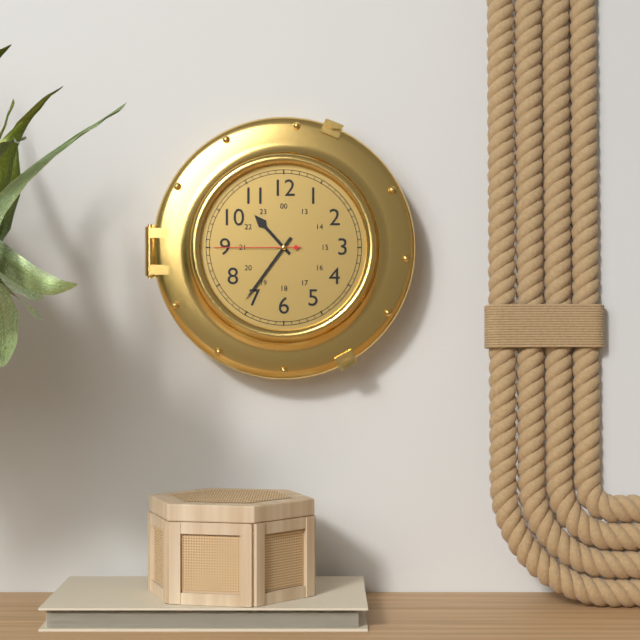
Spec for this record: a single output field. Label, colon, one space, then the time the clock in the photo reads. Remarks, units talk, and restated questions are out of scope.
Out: 10:36:45
